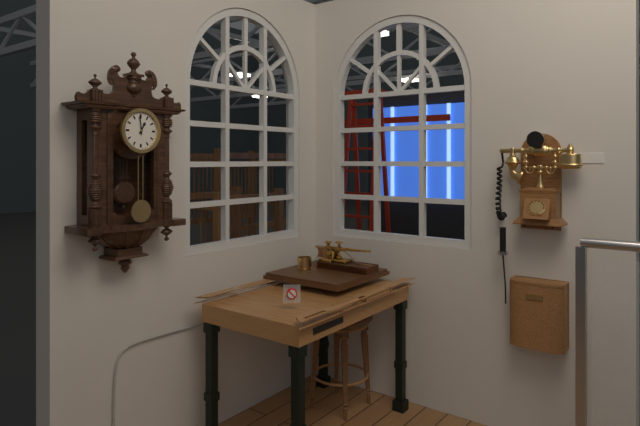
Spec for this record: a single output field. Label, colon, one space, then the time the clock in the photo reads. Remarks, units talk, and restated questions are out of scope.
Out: 12:59
